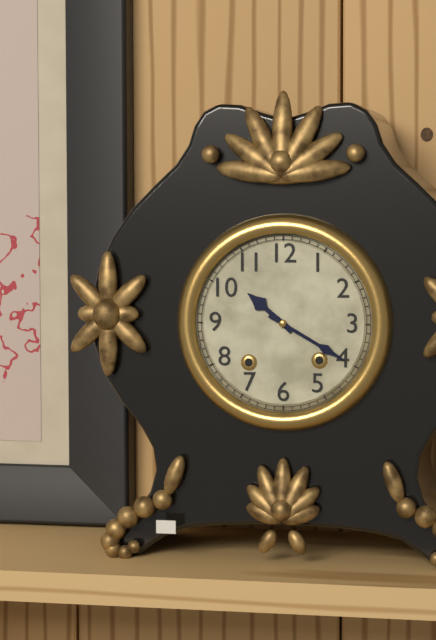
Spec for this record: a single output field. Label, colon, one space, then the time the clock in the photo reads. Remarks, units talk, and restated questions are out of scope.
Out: 10:20
